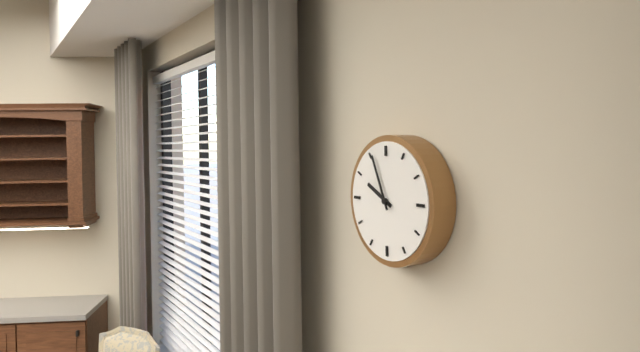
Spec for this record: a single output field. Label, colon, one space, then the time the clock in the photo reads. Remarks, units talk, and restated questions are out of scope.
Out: 9:56
